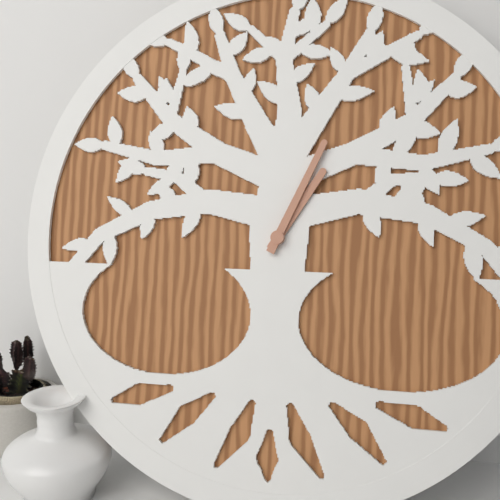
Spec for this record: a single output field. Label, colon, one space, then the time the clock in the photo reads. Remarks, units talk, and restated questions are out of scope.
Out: 1:04
